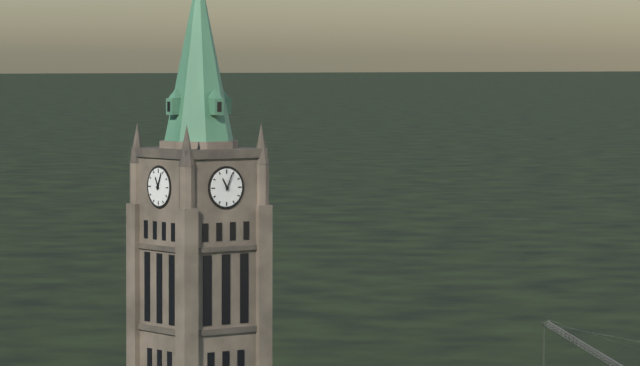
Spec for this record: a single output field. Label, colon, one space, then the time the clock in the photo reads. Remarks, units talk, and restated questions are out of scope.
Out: 11:04
